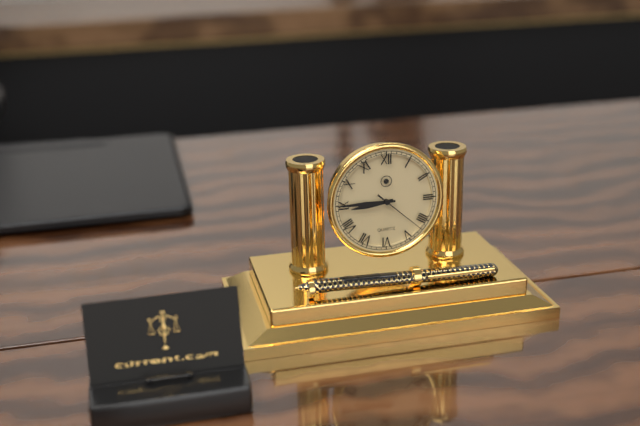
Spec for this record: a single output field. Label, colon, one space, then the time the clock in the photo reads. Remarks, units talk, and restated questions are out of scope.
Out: 8:45:22
